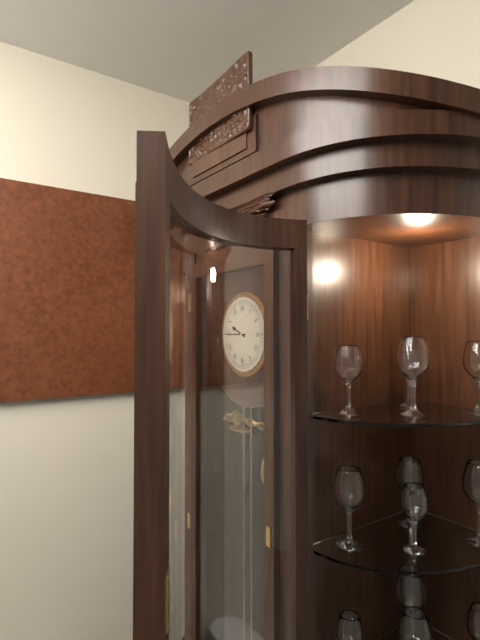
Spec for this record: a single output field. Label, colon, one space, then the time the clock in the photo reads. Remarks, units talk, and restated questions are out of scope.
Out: 9:45
